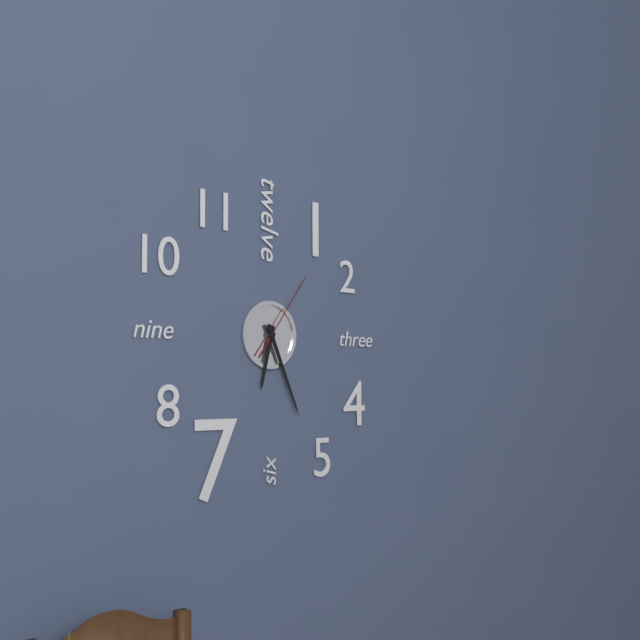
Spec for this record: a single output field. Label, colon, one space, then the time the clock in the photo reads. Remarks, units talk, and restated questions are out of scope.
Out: 6:26:06
